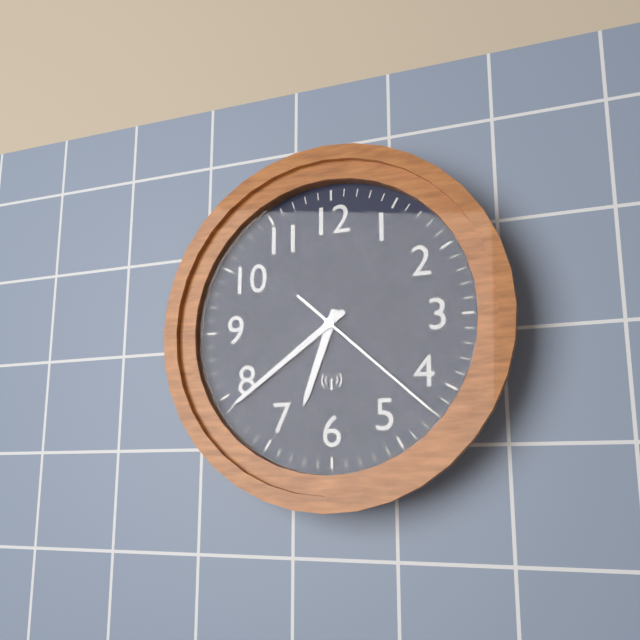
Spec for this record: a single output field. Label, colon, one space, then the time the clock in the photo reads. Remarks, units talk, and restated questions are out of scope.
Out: 6:39:22
